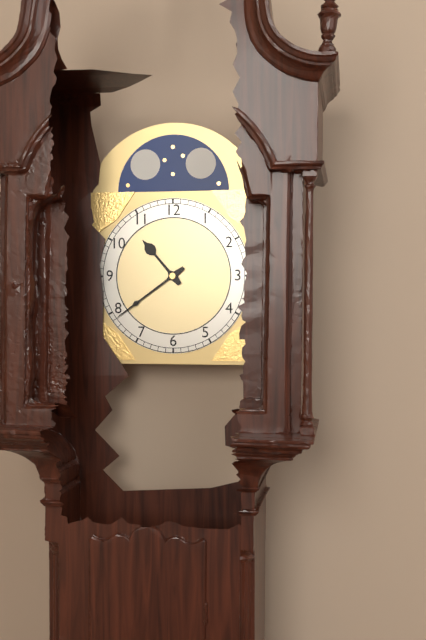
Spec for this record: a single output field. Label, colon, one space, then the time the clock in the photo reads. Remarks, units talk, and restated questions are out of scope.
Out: 10:39
